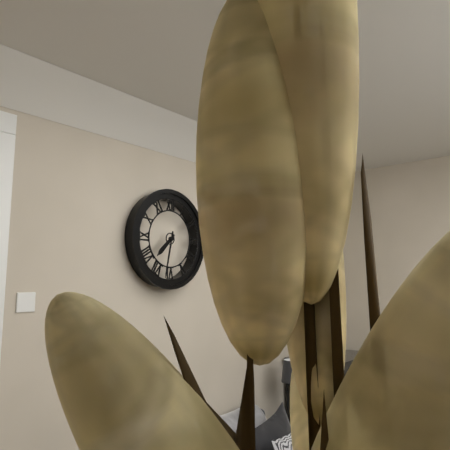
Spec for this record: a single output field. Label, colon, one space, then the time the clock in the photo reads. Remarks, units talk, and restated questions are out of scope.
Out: 7:32
